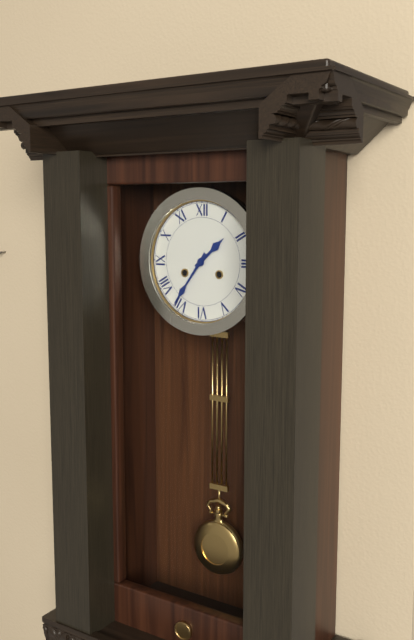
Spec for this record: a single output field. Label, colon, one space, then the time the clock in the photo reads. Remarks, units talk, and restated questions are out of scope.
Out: 1:36
